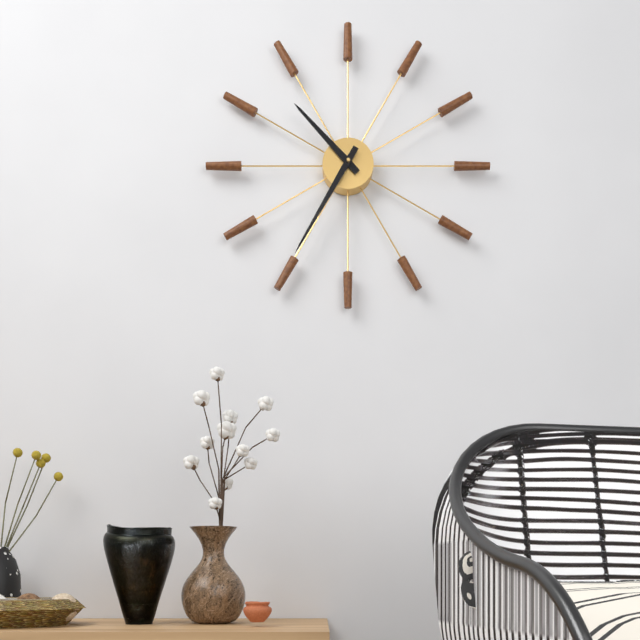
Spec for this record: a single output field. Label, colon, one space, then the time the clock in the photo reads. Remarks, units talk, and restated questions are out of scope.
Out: 10:35
